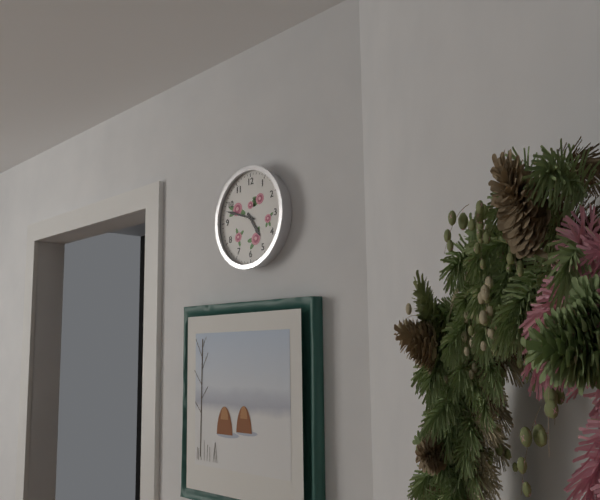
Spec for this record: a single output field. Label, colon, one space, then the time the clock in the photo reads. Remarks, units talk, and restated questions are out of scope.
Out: 4:48
